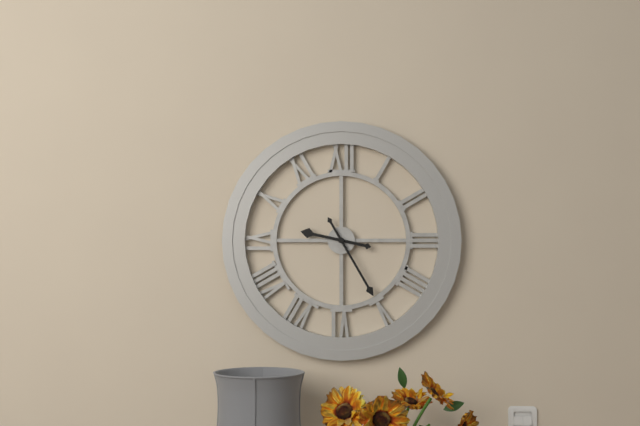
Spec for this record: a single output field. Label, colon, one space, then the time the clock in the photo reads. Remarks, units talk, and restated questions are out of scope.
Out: 9:25
